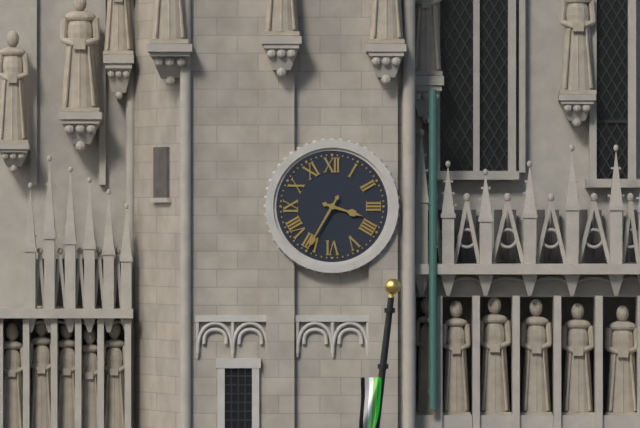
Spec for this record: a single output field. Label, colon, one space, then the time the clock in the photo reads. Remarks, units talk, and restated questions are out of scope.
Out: 3:35
